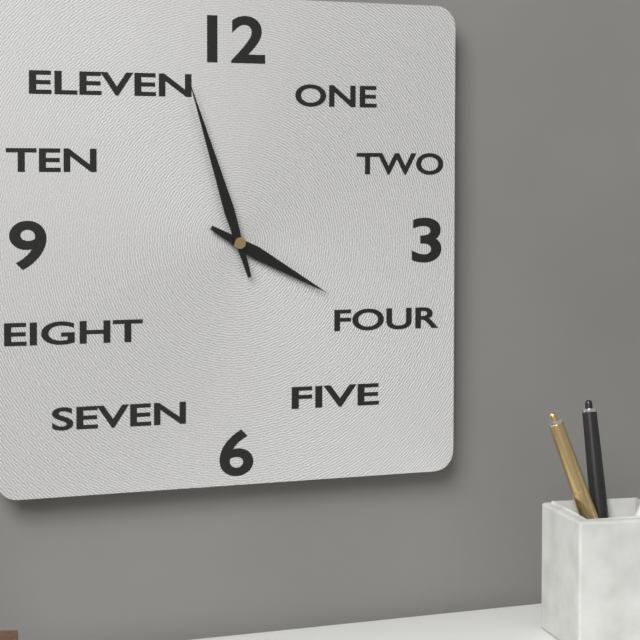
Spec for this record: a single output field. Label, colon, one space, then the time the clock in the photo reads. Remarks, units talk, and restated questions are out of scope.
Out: 3:57
